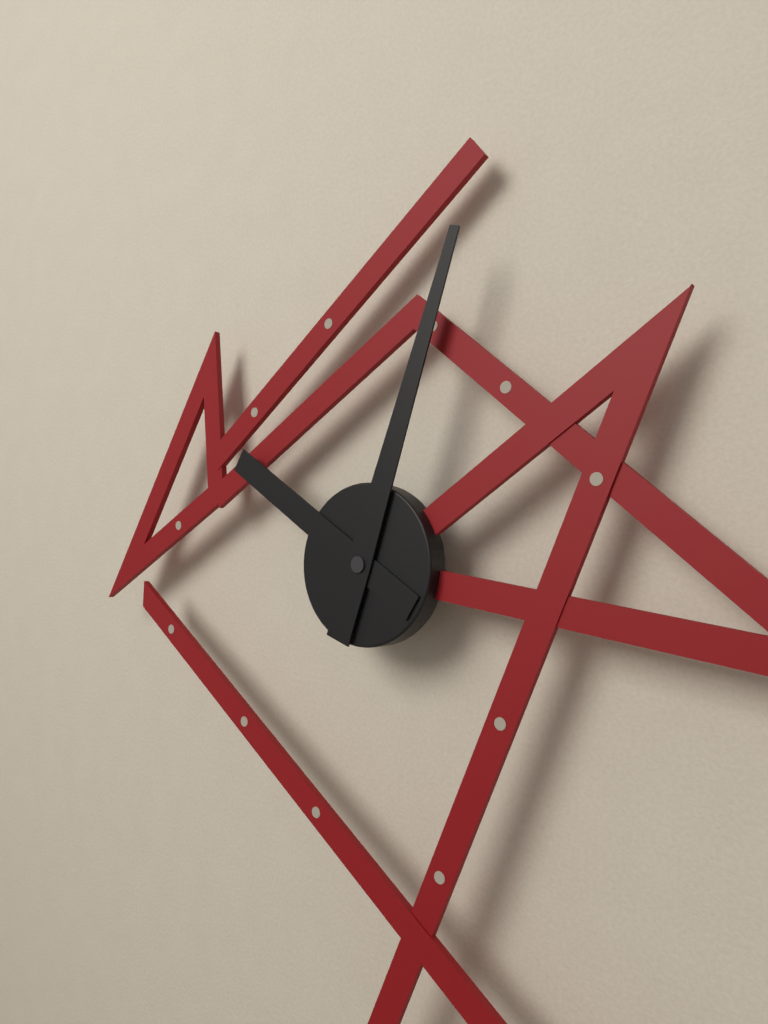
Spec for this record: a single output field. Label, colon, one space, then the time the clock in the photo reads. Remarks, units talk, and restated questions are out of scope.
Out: 10:03
